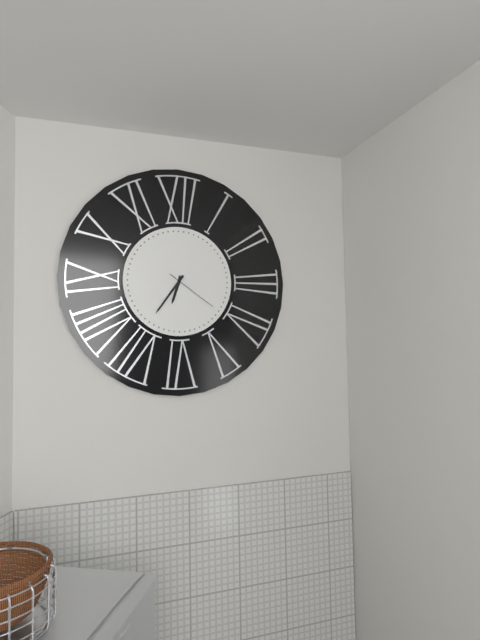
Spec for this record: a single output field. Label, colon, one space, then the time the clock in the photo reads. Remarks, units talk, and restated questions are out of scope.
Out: 6:36:21
